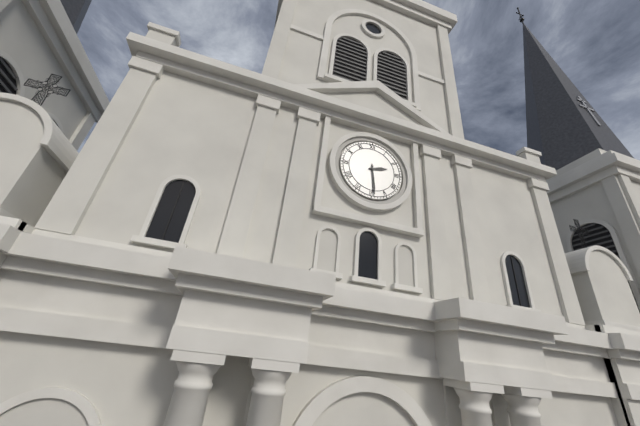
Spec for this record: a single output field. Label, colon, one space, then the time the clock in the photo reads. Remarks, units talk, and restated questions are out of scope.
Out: 2:29
